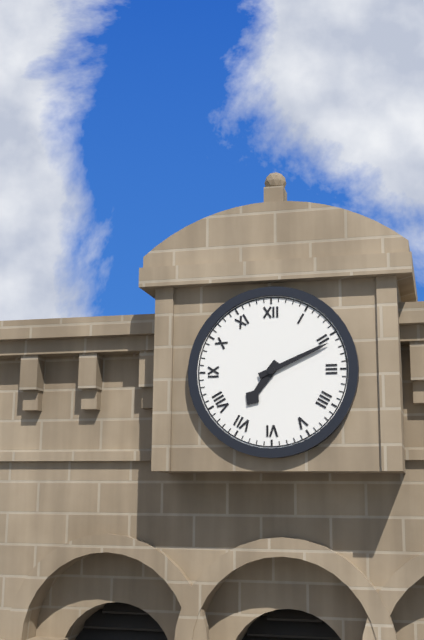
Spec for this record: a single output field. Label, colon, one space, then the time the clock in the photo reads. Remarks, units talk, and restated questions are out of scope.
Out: 7:11
